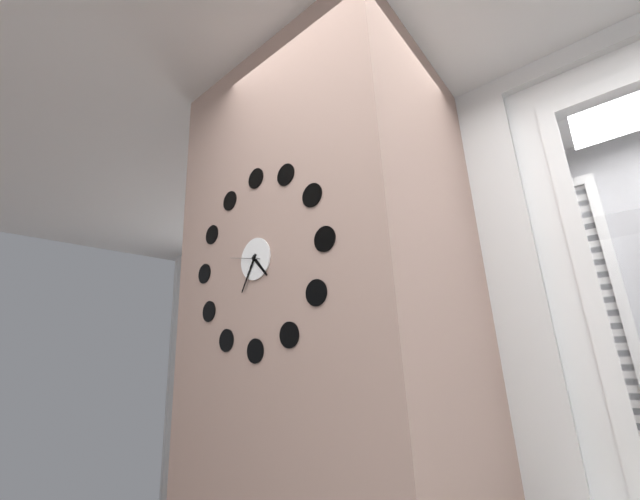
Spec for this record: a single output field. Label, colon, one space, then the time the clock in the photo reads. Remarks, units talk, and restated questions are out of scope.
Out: 4:35
